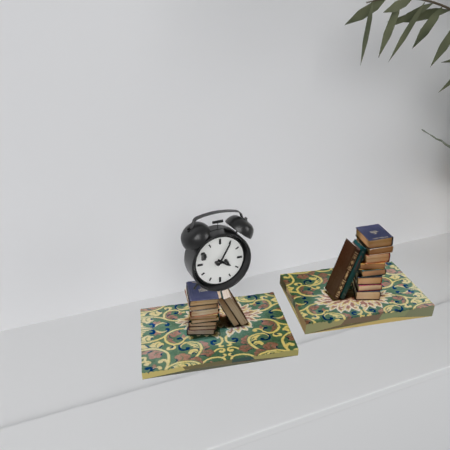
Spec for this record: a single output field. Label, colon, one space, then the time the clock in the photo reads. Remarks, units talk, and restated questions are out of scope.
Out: 4:05
